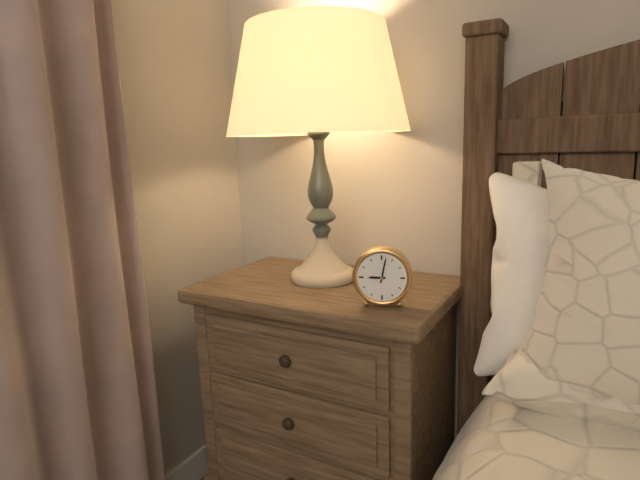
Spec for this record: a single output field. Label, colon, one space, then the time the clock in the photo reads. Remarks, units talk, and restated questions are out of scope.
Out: 9:02
